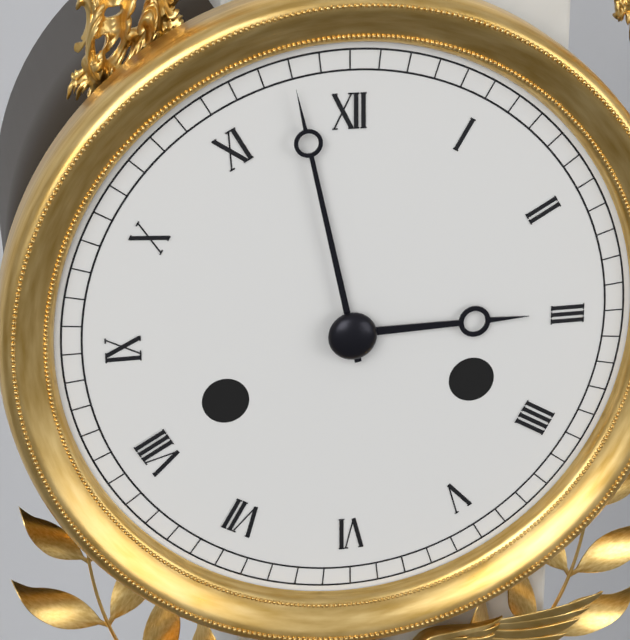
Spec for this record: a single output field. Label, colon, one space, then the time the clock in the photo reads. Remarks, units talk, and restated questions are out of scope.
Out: 2:58
